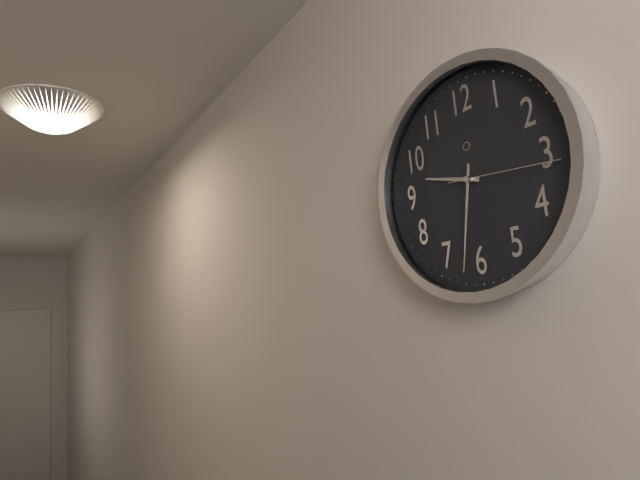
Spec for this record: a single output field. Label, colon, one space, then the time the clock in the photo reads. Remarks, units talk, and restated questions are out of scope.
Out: 9:32:16
